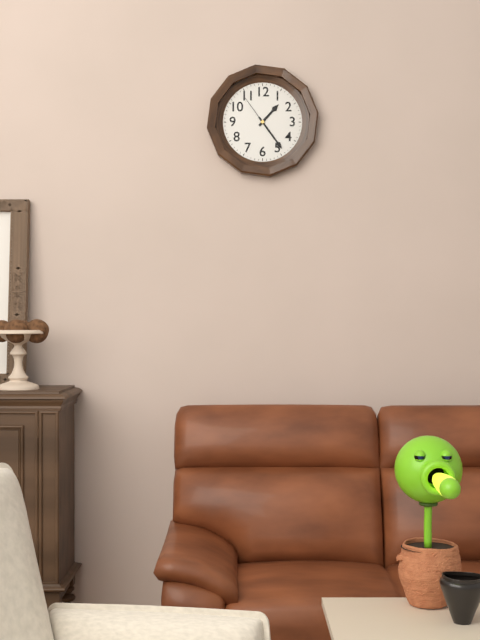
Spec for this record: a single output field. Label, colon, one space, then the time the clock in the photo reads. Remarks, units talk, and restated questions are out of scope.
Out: 1:24
